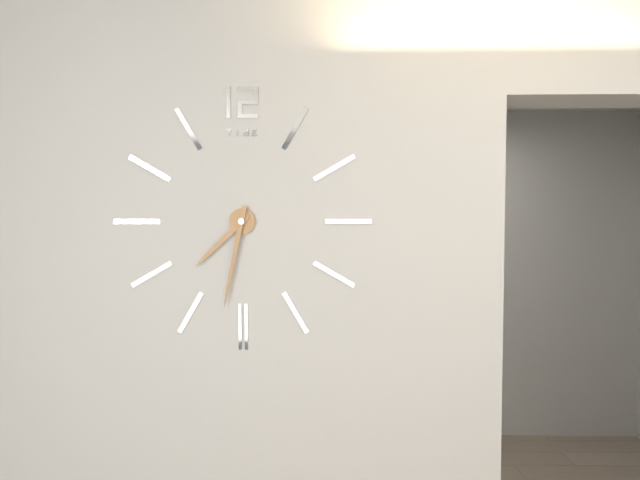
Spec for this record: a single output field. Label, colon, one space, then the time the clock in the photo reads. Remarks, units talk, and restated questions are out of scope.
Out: 7:32
